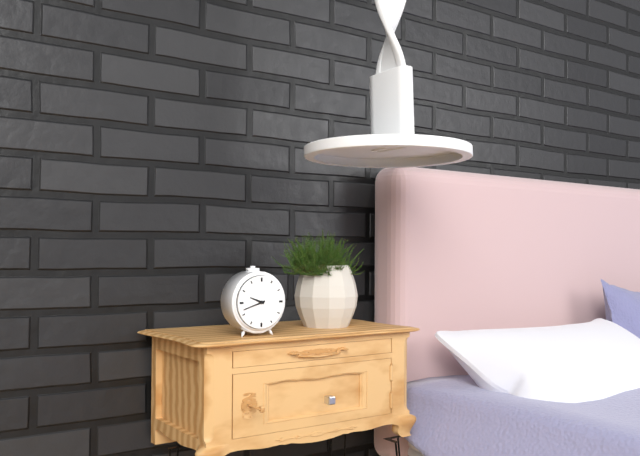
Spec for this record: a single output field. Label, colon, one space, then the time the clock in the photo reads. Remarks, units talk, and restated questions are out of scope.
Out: 9:42
